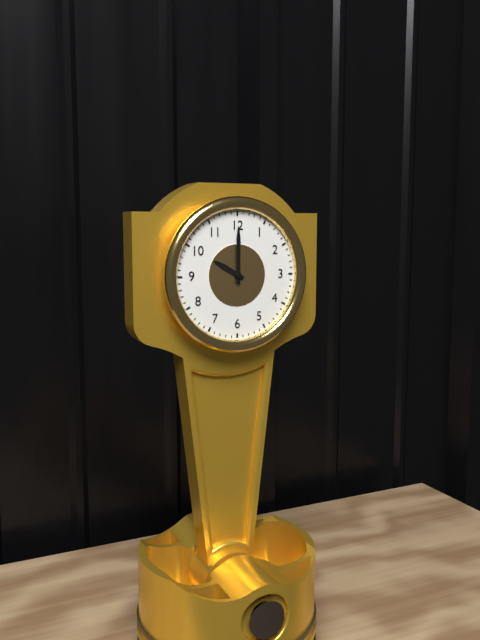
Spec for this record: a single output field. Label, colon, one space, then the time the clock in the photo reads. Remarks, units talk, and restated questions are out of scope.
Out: 10:00
